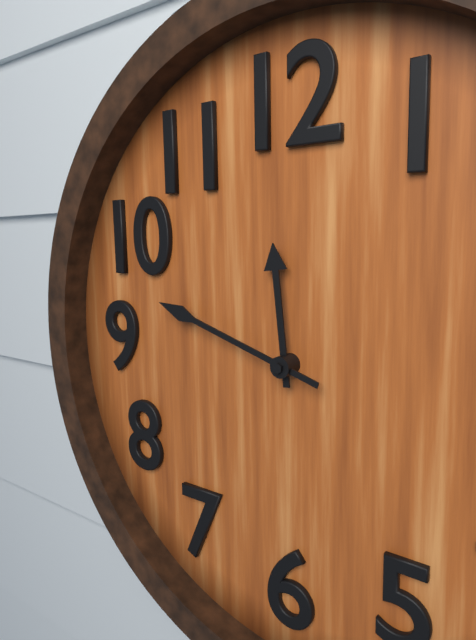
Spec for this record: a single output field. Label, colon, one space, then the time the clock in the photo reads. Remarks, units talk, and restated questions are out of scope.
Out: 11:48
